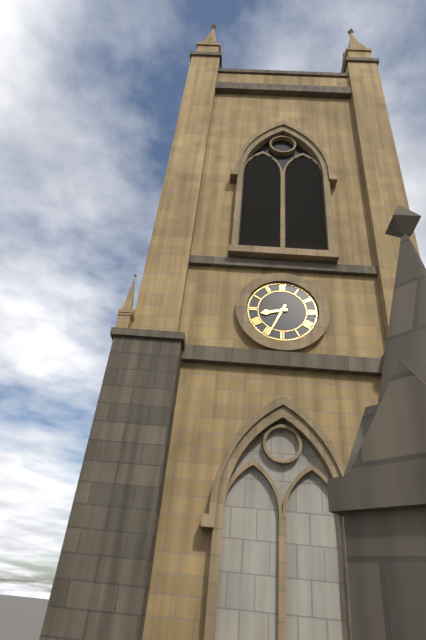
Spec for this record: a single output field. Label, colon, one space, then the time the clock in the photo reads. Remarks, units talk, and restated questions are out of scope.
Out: 8:34
